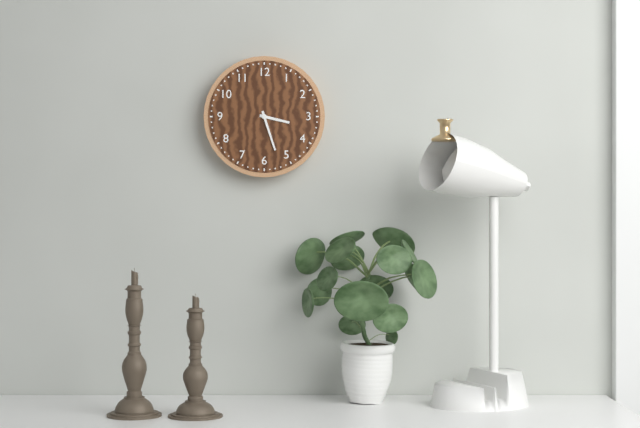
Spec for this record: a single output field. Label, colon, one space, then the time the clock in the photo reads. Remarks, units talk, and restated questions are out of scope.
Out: 3:27
